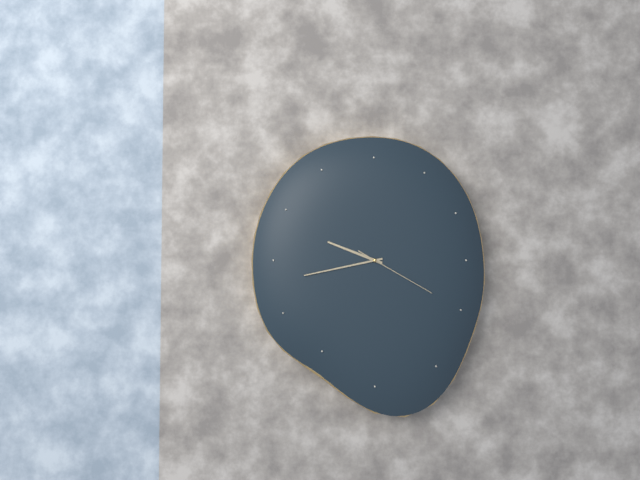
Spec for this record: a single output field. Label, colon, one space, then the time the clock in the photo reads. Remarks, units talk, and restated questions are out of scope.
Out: 9:43:20
